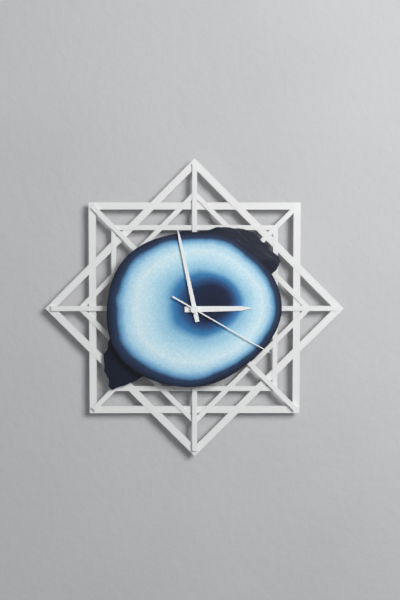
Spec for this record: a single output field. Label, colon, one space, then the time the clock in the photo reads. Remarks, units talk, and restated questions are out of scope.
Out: 2:58:20
